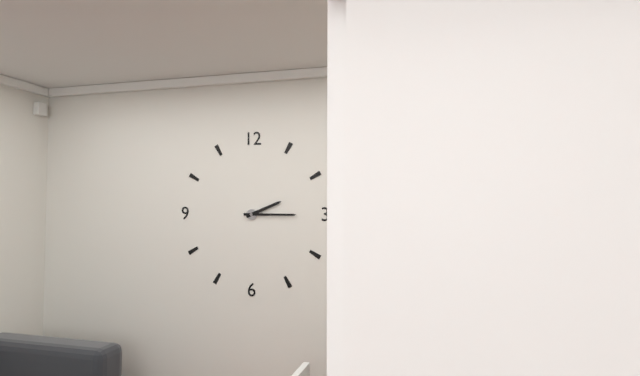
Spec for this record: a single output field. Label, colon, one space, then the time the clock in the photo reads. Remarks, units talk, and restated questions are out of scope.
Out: 2:15
